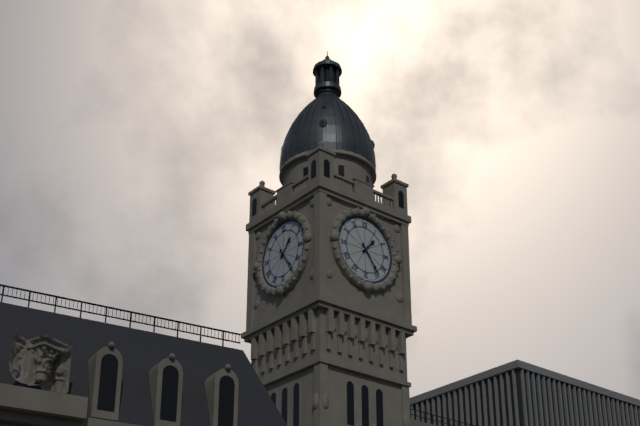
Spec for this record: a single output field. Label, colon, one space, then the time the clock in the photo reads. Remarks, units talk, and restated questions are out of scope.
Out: 1:24
